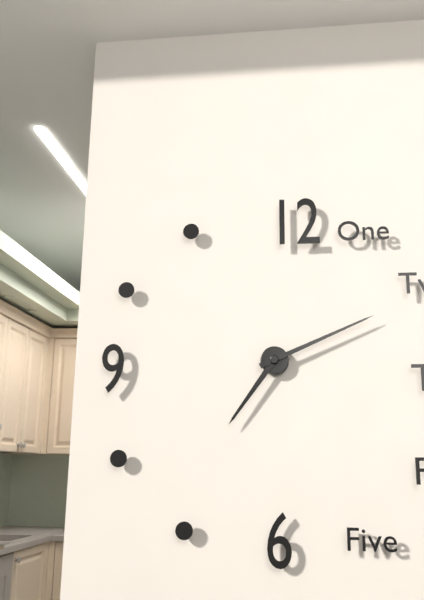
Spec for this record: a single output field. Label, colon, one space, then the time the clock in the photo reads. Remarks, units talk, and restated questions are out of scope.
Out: 7:11
